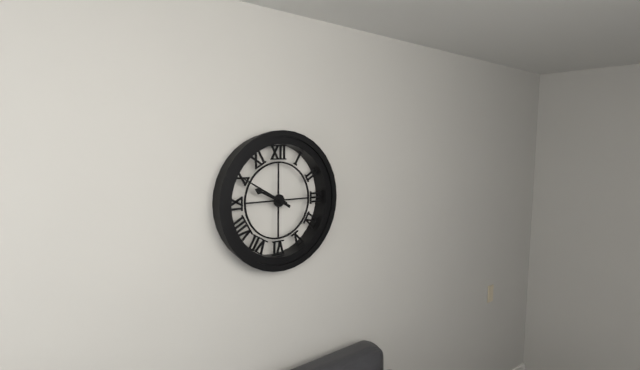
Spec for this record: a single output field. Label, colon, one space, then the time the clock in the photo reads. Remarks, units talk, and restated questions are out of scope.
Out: 9:50
